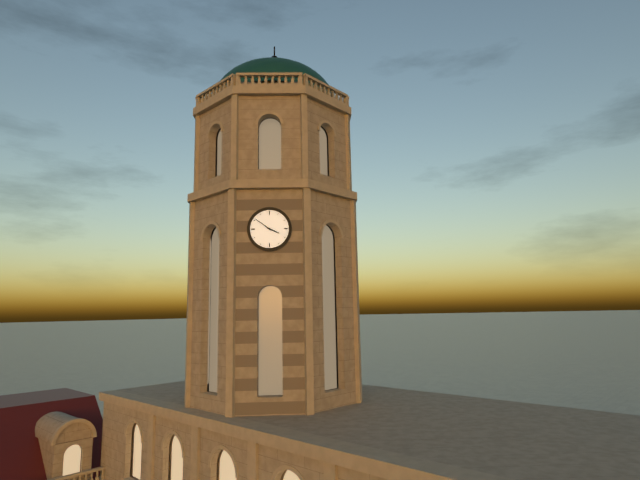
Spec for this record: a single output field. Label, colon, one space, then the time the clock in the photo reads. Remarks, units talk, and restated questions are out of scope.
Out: 3:51
